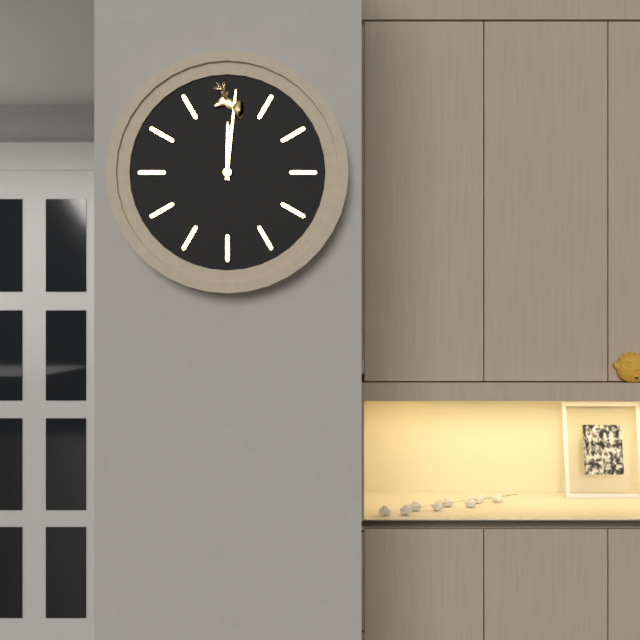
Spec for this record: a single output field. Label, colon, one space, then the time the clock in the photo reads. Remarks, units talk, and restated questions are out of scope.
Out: 12:01
